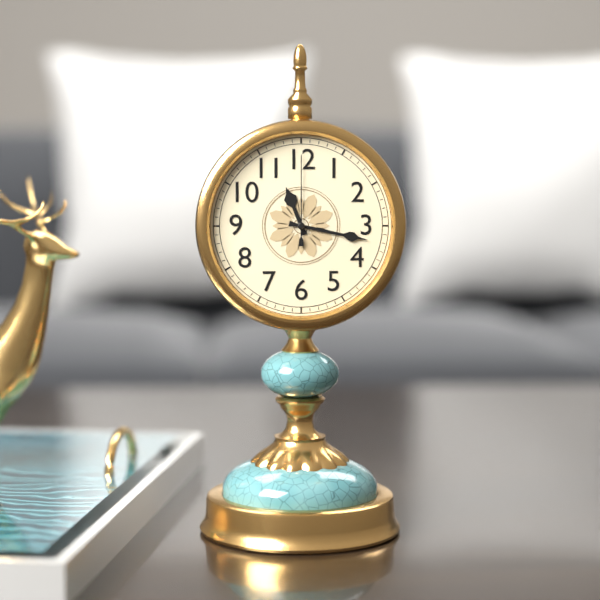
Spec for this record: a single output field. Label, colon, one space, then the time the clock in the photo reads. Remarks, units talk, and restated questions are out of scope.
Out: 11:17:00
